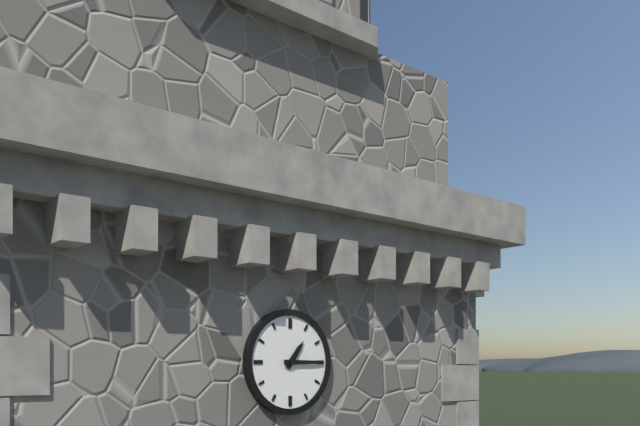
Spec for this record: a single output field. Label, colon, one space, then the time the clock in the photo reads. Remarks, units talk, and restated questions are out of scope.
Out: 1:15
